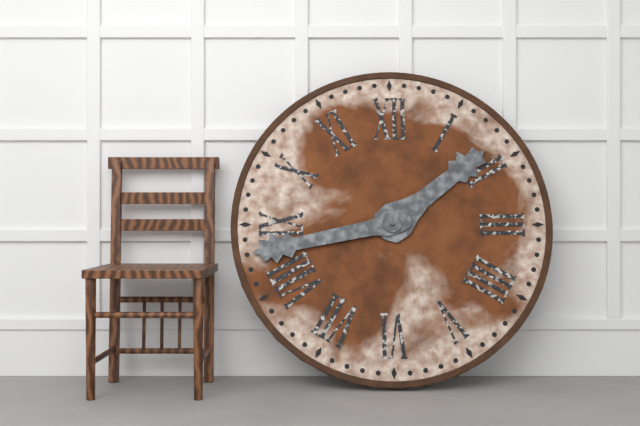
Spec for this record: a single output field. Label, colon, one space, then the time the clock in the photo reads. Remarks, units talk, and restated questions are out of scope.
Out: 1:43
